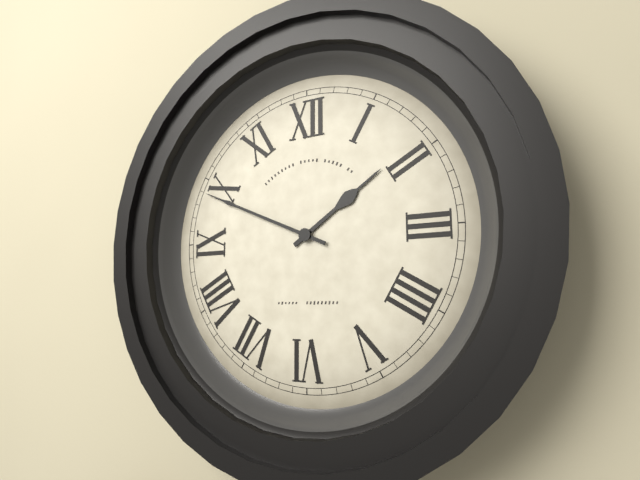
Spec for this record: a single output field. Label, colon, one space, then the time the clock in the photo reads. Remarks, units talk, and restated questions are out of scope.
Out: 1:49
